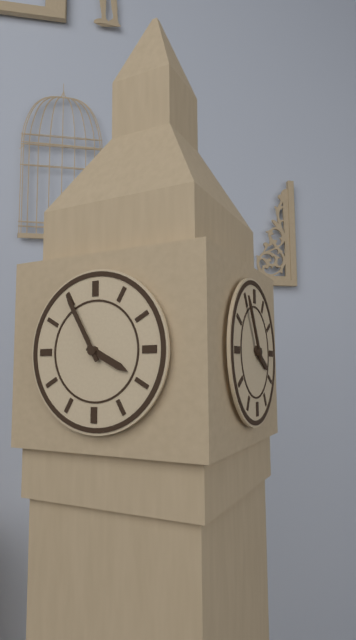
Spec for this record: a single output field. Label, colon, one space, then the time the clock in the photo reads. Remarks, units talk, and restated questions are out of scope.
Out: 3:55
